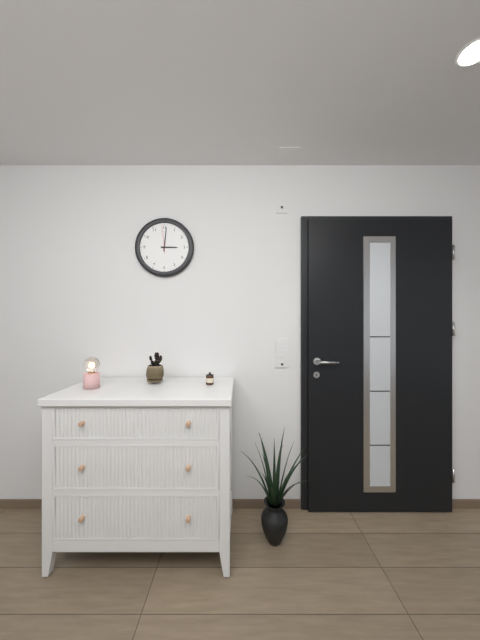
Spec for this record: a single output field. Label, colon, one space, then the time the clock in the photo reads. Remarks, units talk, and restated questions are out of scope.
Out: 3:01
